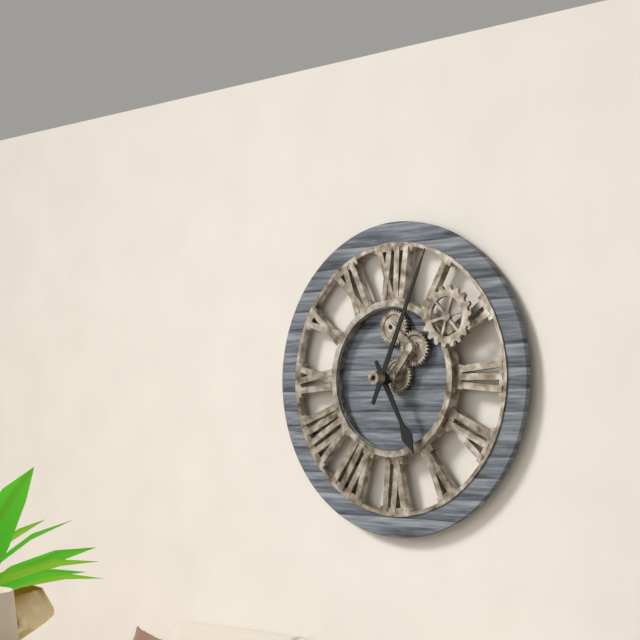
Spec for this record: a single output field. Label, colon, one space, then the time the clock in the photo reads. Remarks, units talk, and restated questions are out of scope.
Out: 5:04
